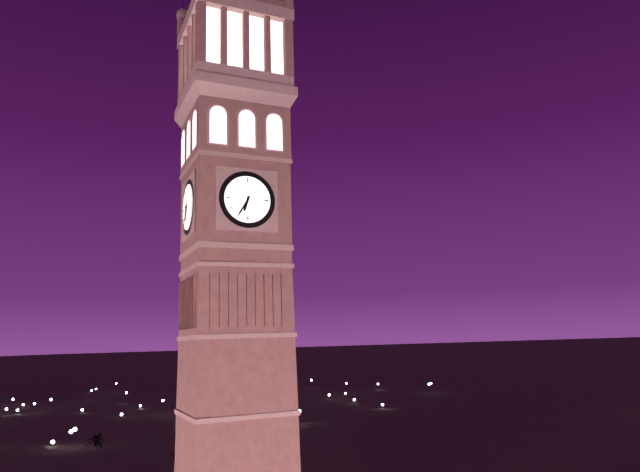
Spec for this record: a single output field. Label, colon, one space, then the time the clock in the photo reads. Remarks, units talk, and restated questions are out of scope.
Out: 6:35
